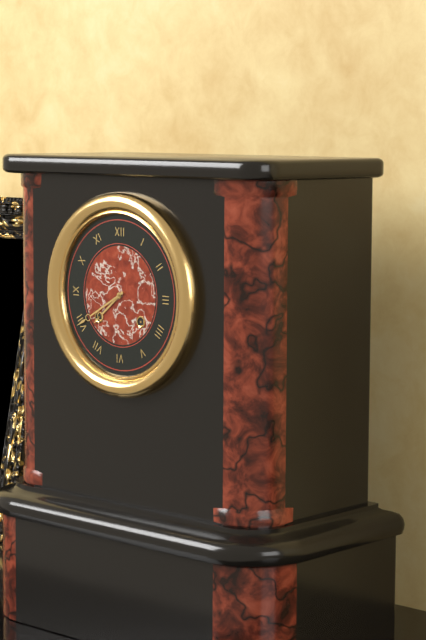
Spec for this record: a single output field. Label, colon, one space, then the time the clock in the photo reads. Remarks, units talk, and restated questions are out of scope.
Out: 7:40
